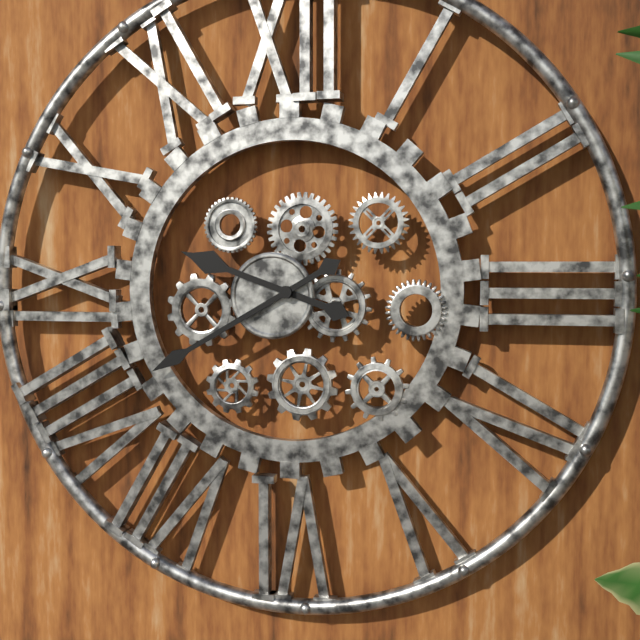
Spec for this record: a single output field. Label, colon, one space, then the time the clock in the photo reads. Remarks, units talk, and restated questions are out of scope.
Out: 9:40
